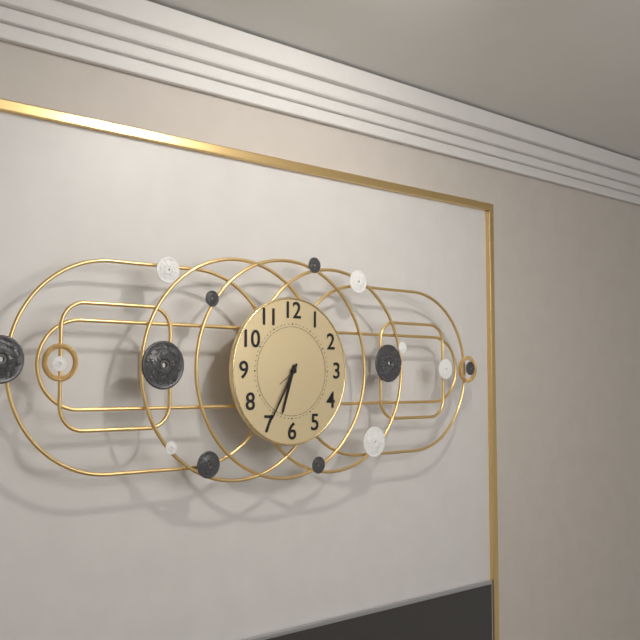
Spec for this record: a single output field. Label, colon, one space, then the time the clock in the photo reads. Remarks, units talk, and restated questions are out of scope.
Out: 6:35
